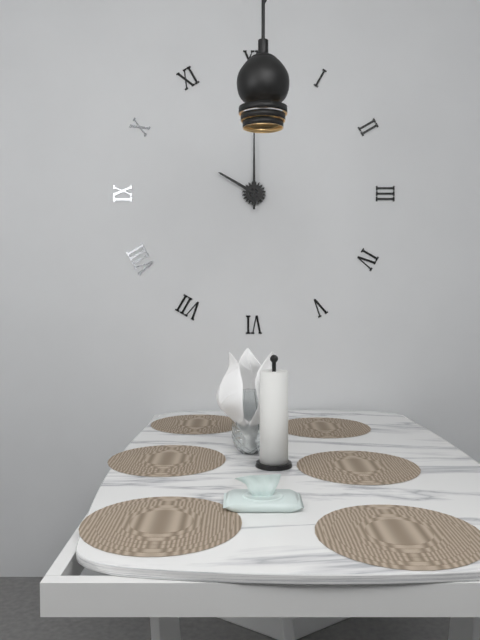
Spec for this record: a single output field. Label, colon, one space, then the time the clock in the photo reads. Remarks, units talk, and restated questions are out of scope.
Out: 10:00
